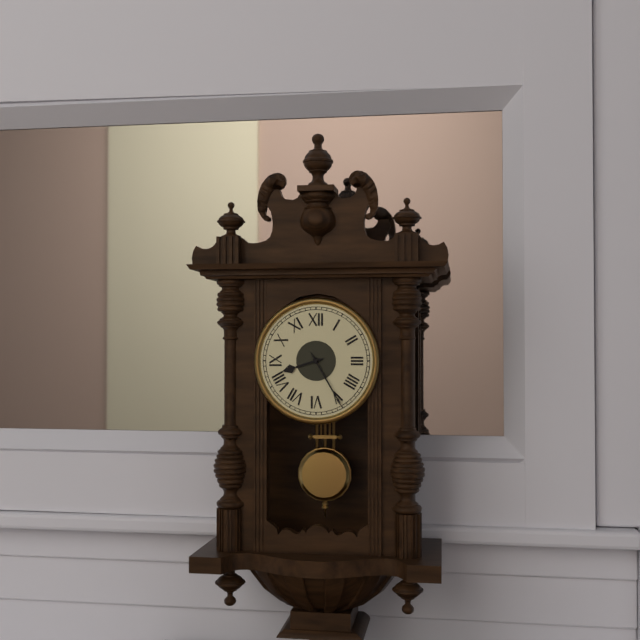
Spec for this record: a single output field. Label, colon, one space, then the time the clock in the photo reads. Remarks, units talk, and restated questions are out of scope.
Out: 8:25
